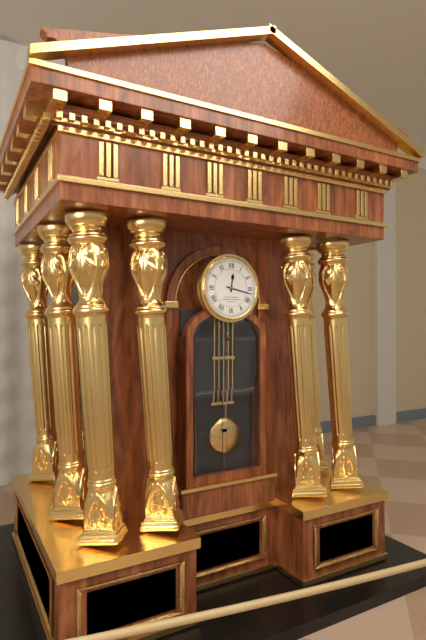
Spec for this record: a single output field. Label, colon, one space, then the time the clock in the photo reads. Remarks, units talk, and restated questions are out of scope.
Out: 12:17
